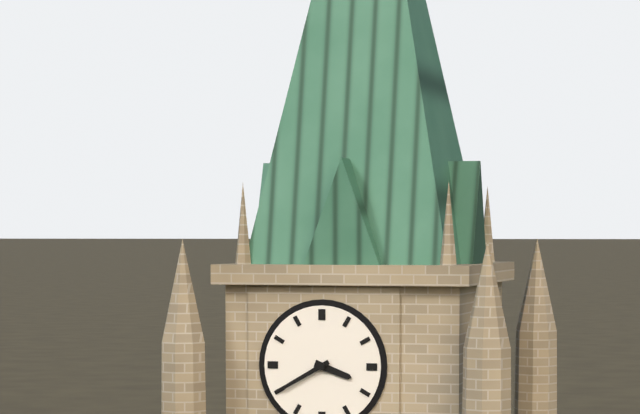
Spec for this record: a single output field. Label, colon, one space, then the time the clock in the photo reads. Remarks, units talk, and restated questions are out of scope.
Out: 3:40
